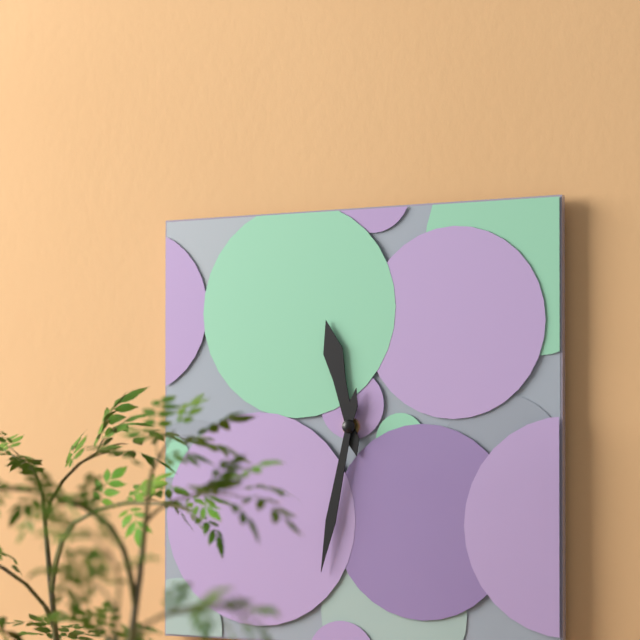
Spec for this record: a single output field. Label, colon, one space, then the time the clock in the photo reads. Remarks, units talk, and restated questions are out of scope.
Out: 11:32
